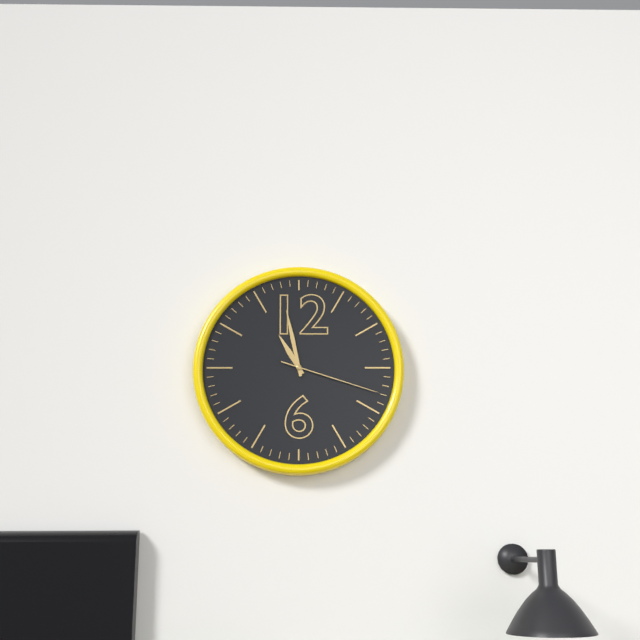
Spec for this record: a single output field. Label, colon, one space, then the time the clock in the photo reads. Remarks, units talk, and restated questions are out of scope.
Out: 10:58:18
